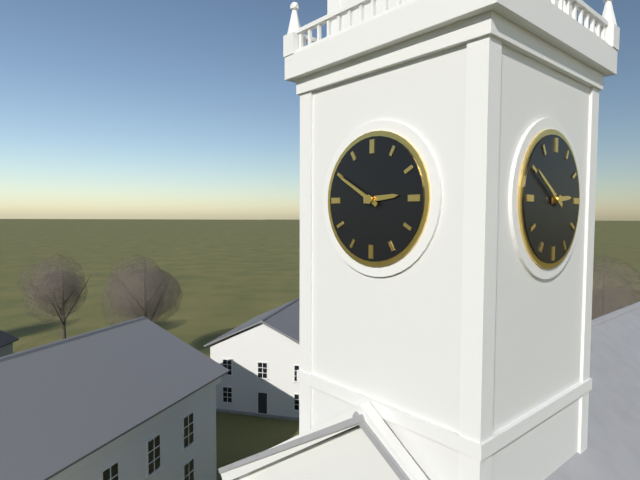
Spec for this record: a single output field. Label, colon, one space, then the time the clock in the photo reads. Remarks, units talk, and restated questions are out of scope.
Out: 2:50
